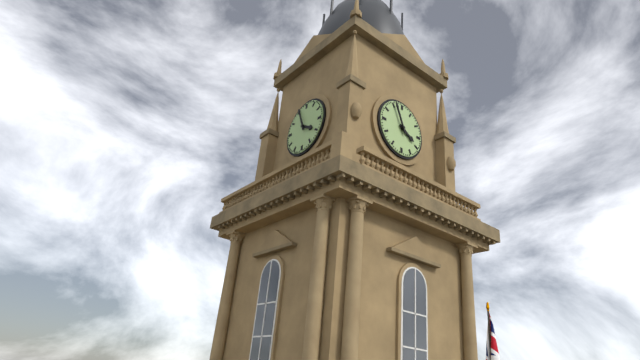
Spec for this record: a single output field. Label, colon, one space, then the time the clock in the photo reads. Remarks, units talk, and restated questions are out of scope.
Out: 3:56
